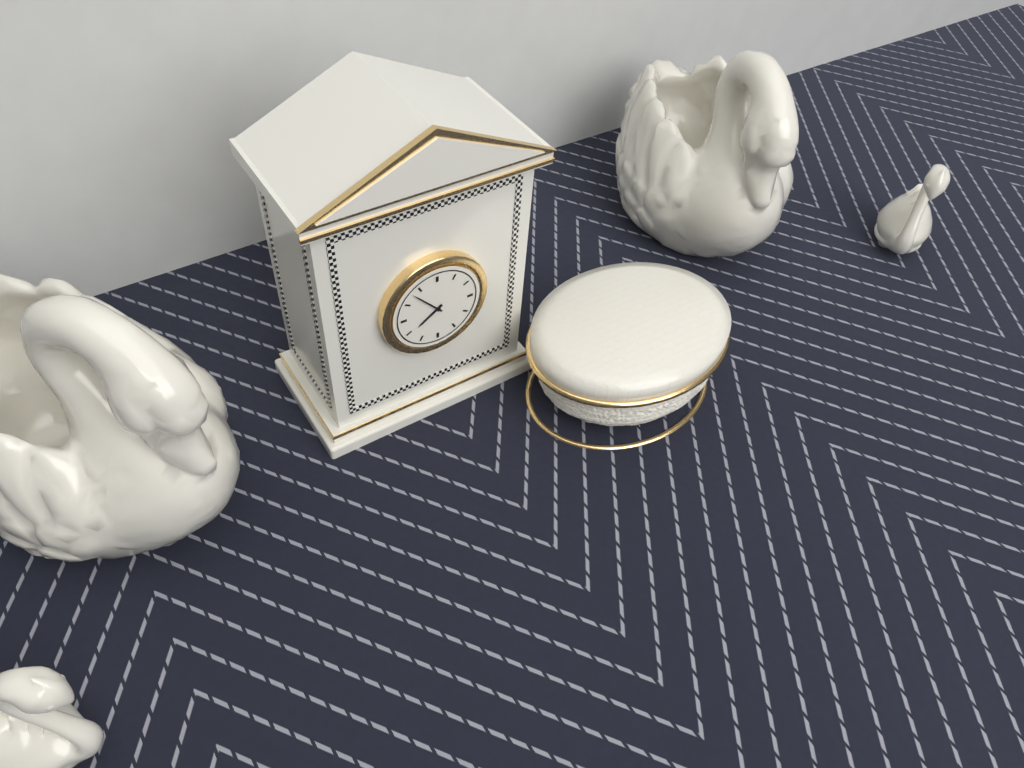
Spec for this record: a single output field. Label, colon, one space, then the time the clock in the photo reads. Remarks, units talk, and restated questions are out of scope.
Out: 7:53
